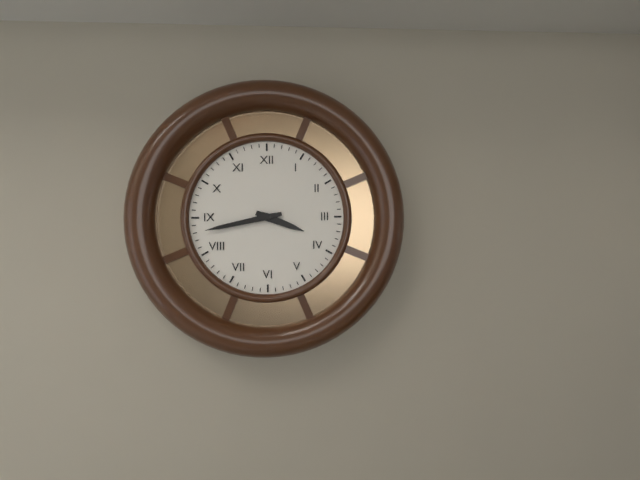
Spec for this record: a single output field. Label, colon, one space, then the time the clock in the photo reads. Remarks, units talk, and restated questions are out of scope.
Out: 3:43
